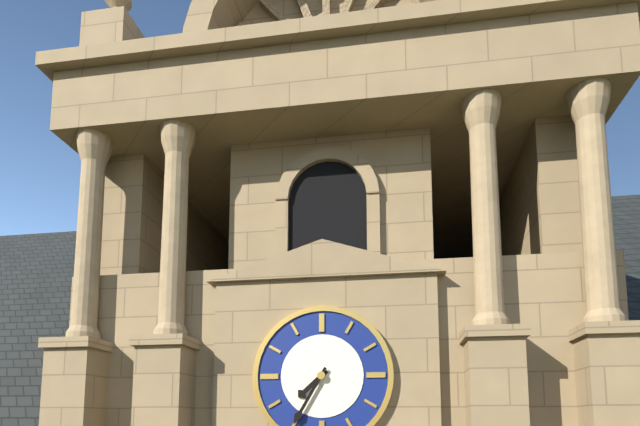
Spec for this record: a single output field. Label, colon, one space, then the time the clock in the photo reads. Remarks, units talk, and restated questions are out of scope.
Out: 7:35
